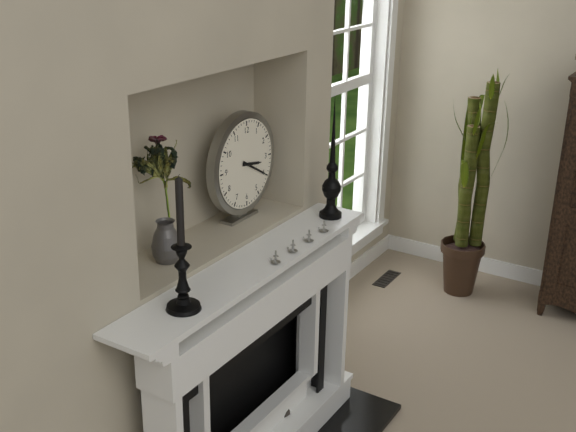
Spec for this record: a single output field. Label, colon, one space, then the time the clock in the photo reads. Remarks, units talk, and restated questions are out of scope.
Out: 3:20
